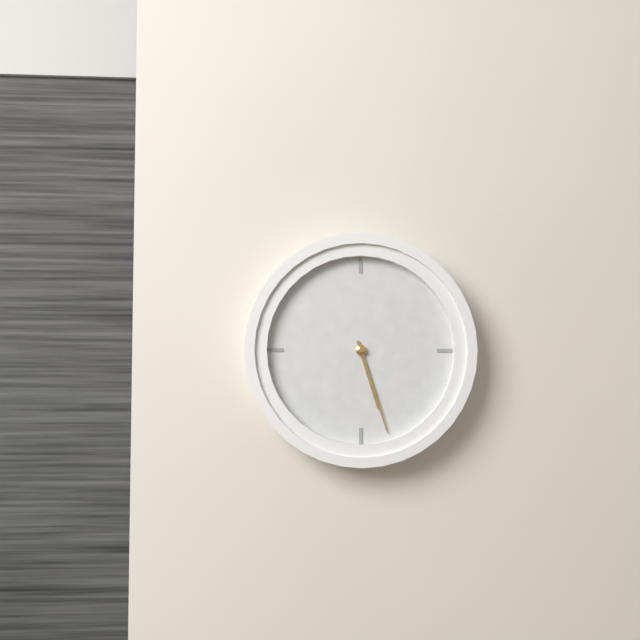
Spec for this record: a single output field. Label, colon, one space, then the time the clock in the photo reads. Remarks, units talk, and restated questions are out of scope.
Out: 5:27
